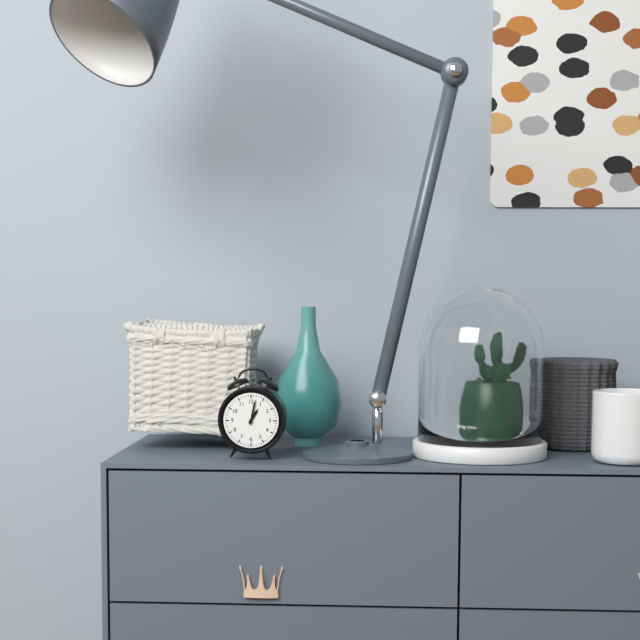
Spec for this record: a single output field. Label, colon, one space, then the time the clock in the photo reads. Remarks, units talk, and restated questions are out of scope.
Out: 1:02
